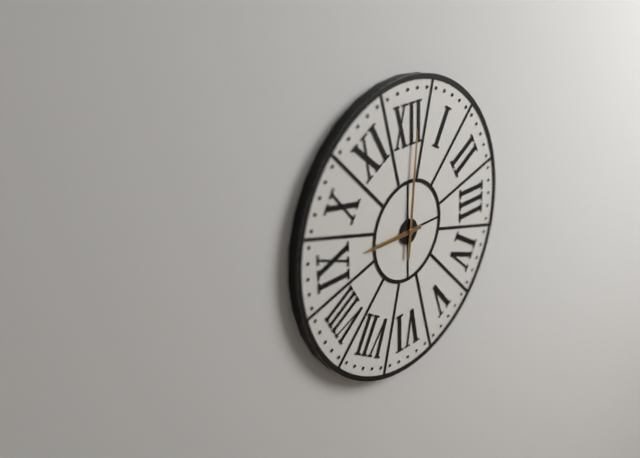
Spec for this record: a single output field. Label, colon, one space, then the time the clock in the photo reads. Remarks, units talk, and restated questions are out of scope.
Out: 9:01
